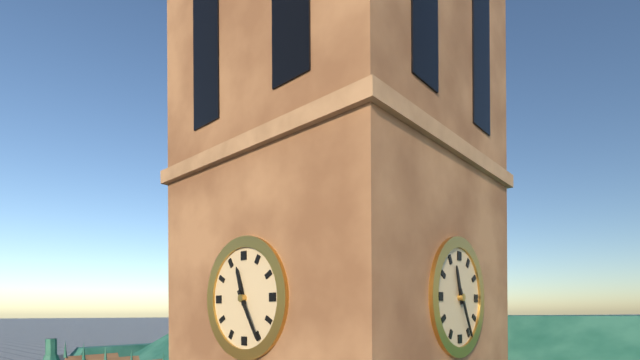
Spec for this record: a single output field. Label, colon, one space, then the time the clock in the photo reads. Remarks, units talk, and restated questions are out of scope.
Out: 11:25
